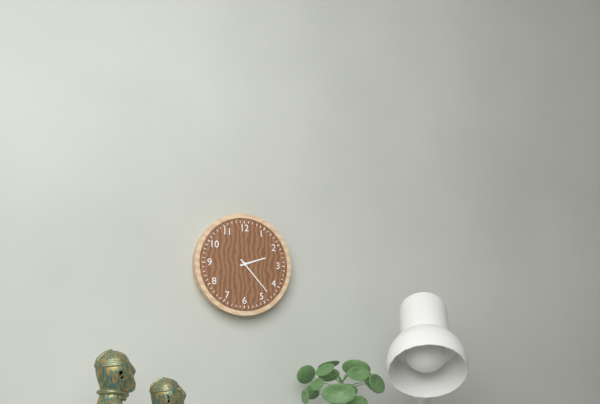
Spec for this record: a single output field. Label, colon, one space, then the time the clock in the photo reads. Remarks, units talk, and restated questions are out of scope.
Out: 2:23
